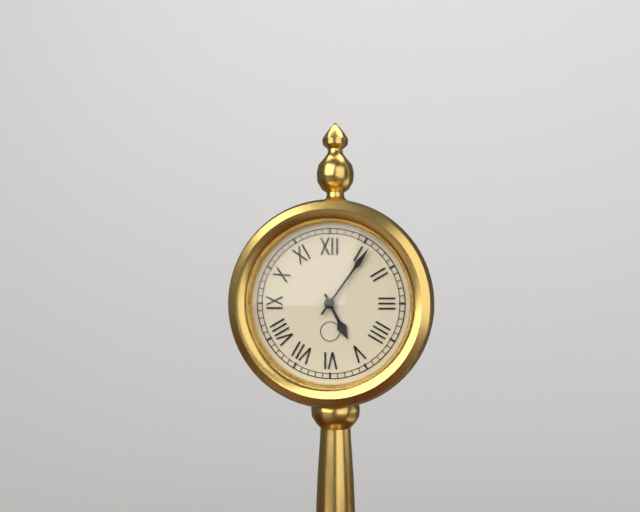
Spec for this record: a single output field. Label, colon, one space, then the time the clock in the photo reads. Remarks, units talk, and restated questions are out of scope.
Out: 5:06
